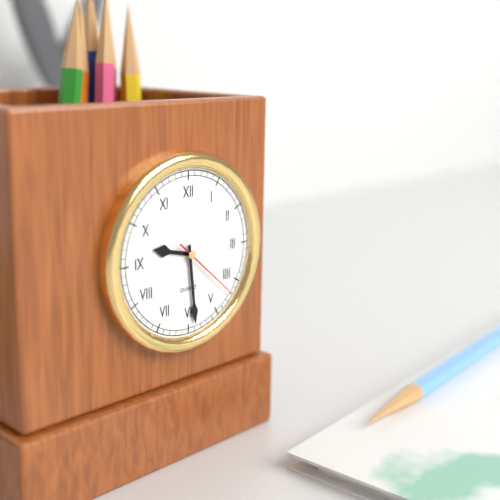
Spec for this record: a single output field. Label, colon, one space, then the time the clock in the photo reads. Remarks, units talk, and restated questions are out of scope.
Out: 9:29:22
